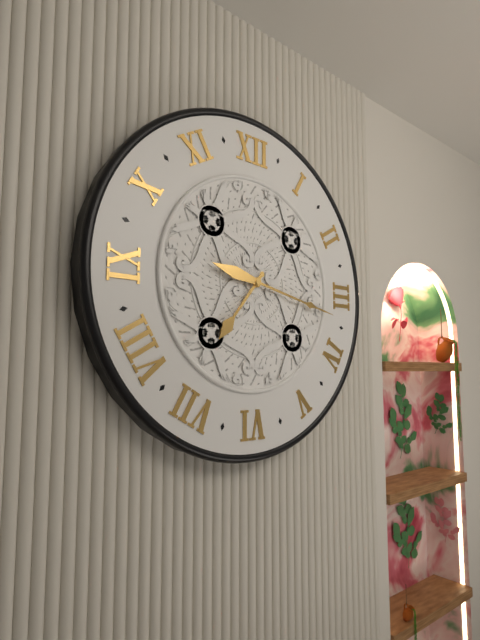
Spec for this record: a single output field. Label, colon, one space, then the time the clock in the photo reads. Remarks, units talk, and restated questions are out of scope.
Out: 7:17
